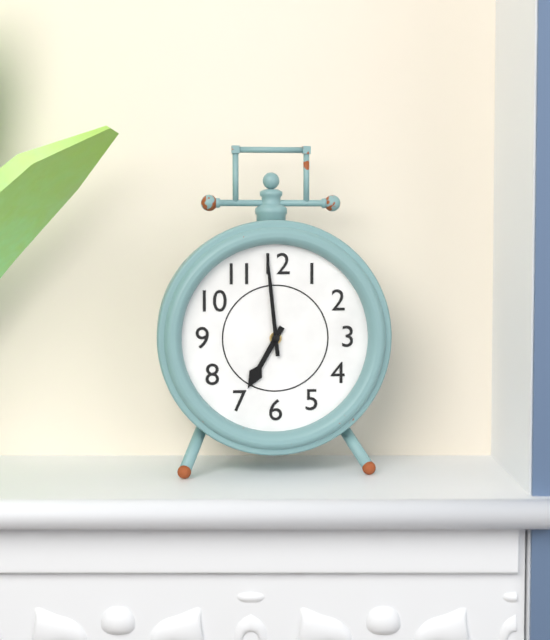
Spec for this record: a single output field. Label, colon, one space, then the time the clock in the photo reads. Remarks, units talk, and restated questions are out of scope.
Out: 6:59
